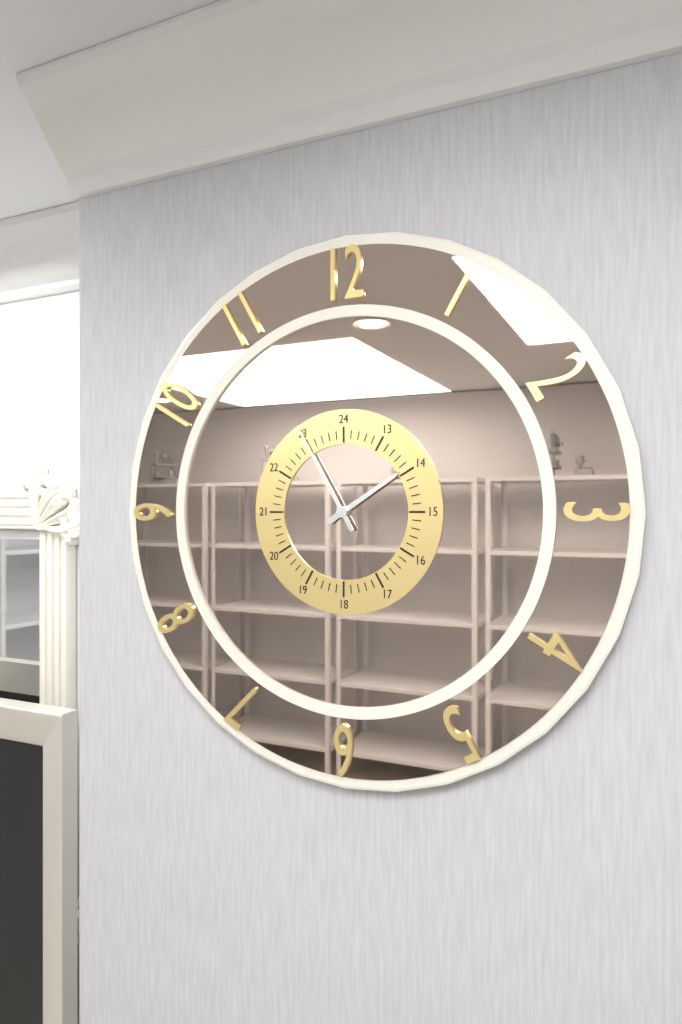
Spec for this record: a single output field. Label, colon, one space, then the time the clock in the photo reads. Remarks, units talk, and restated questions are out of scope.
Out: 1:55
